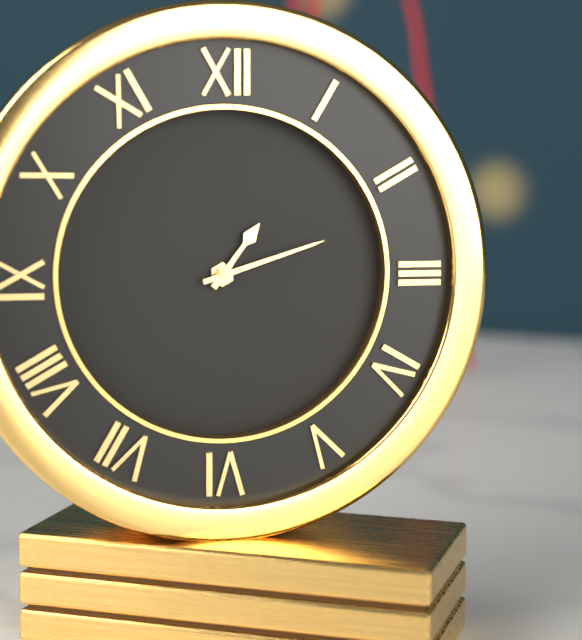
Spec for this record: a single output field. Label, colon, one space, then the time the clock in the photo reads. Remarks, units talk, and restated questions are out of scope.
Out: 1:12
